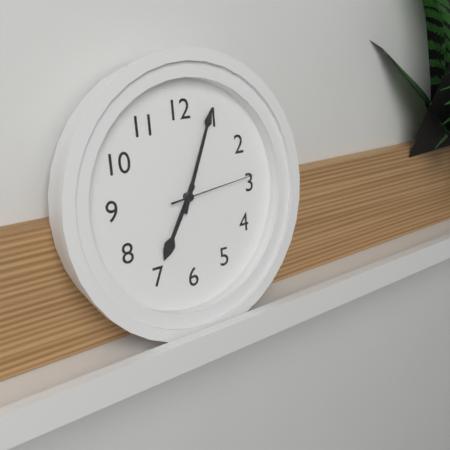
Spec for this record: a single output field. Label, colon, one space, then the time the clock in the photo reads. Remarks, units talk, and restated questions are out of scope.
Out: 7:04:14
